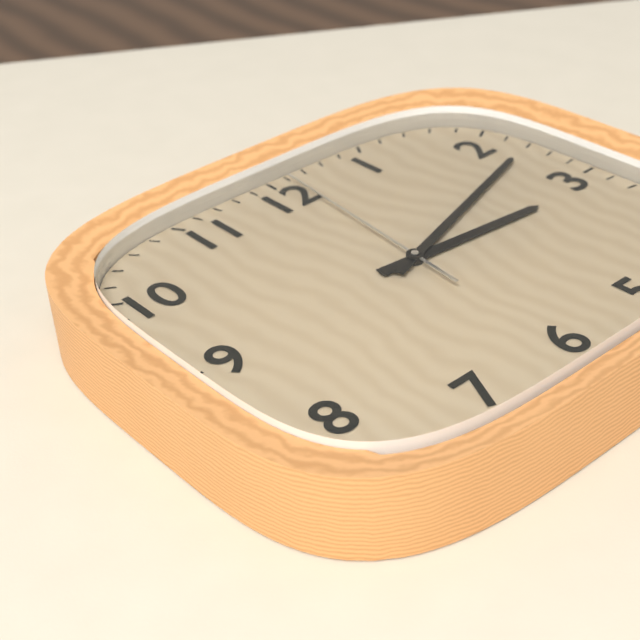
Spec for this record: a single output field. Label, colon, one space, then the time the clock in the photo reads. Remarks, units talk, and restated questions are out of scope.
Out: 3:12:01
